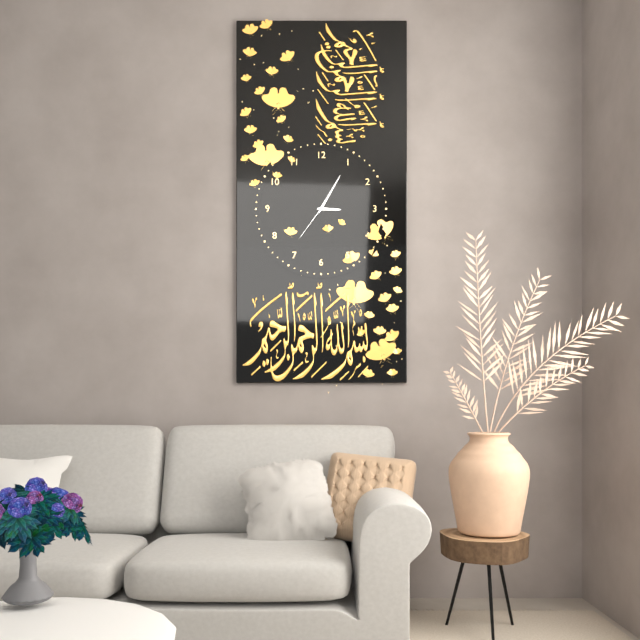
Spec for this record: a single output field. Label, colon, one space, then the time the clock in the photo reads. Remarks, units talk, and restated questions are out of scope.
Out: 3:05
